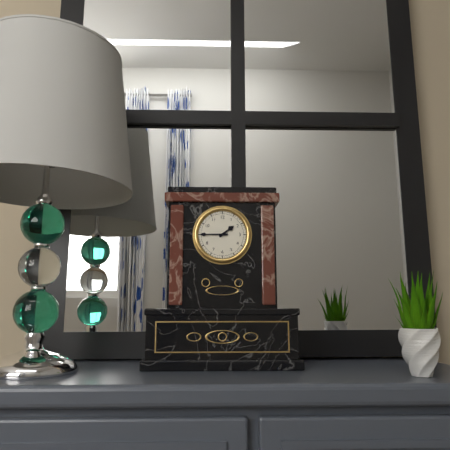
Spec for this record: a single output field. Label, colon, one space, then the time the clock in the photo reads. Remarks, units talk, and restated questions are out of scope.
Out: 1:45
